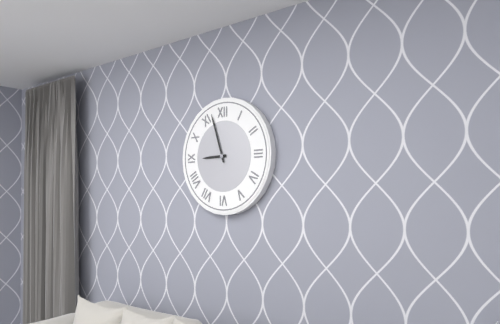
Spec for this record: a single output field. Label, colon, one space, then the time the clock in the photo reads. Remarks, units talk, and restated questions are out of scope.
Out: 8:57
